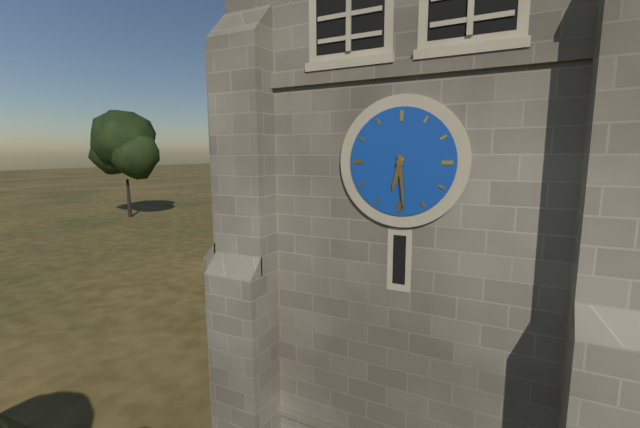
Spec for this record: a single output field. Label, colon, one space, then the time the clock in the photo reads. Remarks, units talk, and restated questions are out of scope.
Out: 6:29
